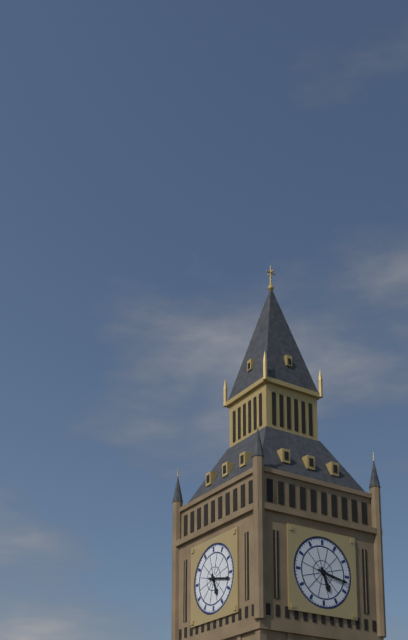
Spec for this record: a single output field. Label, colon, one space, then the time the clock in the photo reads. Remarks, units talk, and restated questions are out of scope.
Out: 5:17
